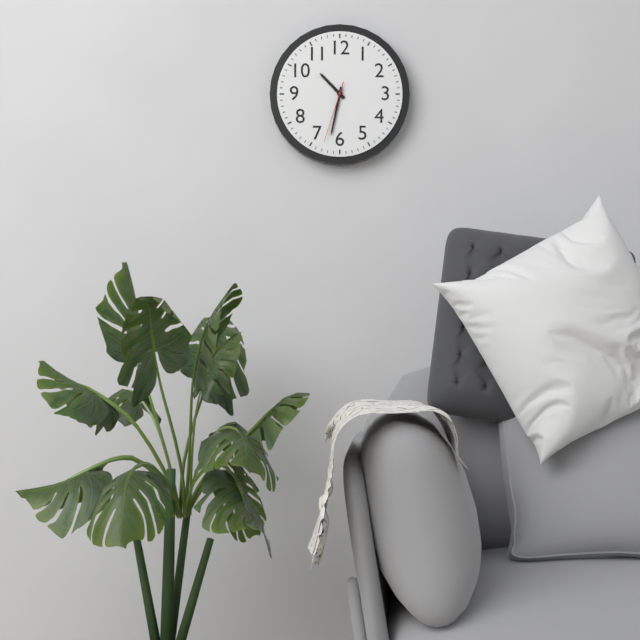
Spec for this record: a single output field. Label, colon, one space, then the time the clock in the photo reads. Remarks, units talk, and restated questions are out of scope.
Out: 10:32:33
